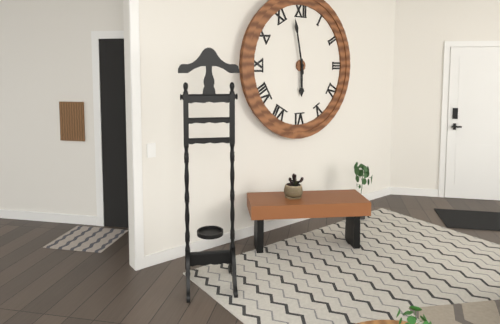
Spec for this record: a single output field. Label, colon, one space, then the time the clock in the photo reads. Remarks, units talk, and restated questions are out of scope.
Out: 5:58
